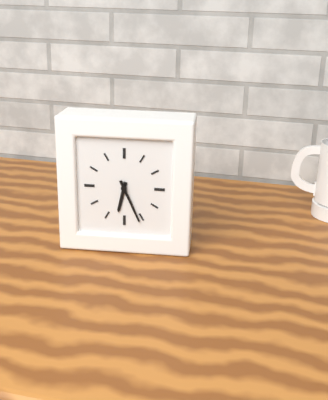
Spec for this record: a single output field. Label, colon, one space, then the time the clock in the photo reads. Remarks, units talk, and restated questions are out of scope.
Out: 6:26
